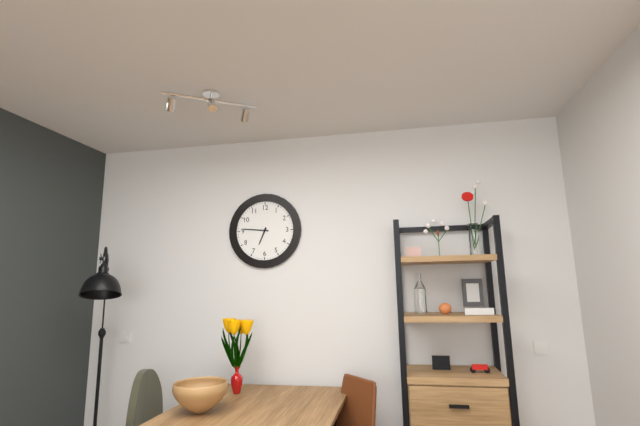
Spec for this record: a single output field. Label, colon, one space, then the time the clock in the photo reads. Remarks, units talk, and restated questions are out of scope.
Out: 6:46
